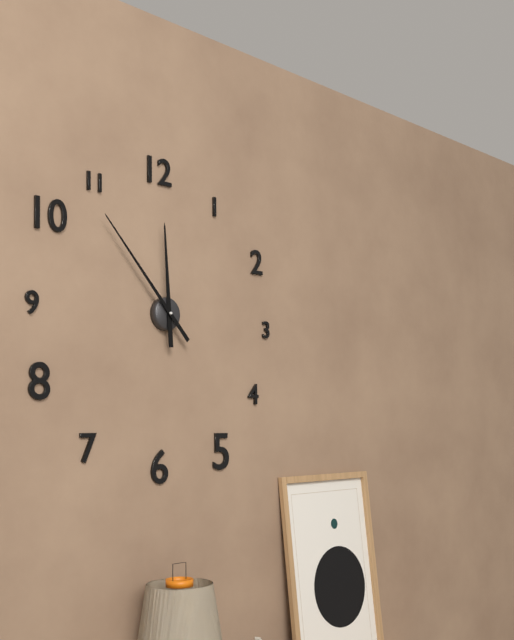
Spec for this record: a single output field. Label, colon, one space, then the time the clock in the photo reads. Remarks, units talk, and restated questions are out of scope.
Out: 11:53
